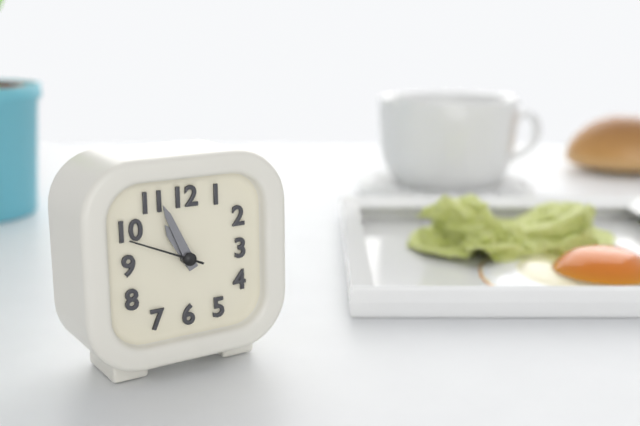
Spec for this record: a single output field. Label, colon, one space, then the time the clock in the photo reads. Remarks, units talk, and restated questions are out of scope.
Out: 10:56:49
